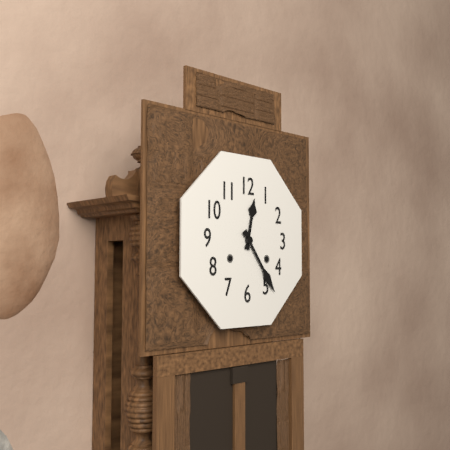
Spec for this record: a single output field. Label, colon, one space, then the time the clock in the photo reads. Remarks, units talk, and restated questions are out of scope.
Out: 12:24
